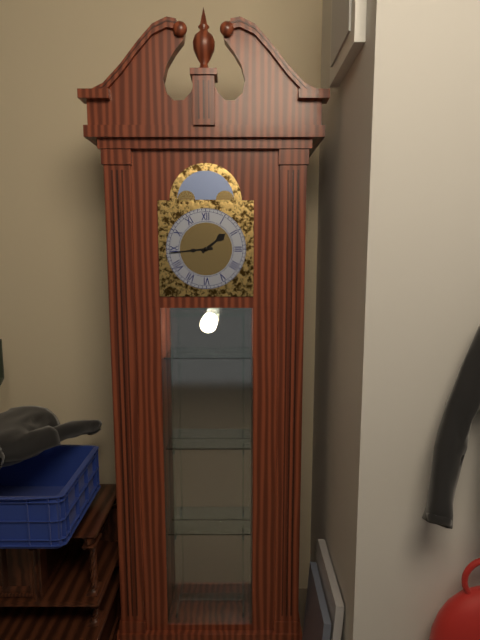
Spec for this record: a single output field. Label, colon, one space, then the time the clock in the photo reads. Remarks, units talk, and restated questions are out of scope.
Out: 1:44
